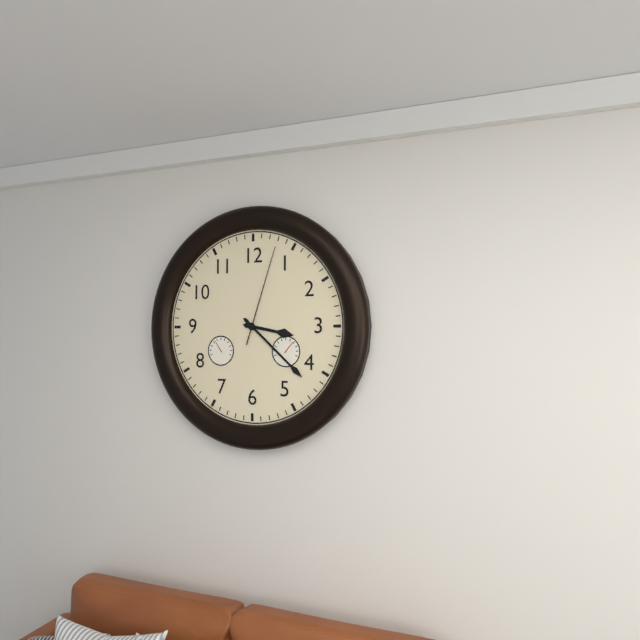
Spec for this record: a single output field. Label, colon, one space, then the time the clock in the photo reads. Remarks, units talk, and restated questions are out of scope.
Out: 3:22:03
